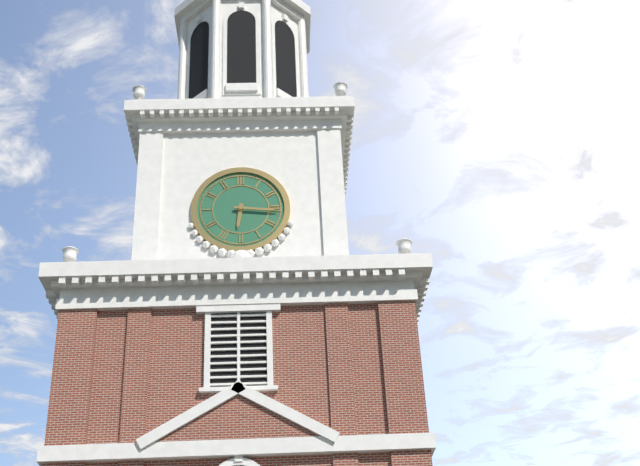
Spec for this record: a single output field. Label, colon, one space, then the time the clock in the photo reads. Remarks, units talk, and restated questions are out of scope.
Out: 6:16
